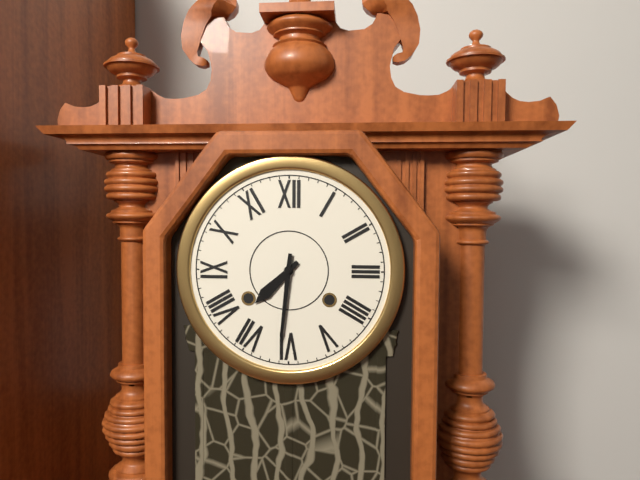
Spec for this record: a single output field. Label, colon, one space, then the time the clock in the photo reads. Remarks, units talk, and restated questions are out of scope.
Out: 7:31
